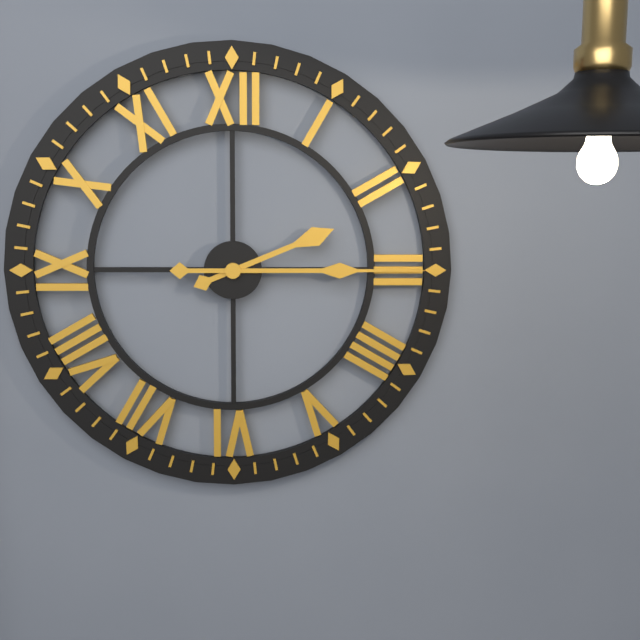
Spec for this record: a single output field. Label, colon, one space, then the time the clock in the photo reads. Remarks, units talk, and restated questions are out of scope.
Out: 2:15
